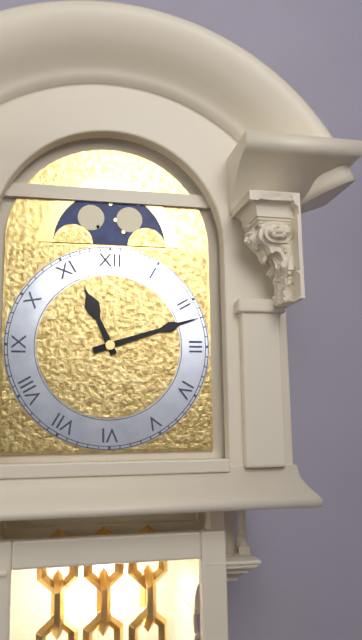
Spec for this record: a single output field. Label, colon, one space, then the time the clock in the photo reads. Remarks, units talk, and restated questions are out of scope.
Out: 11:12
